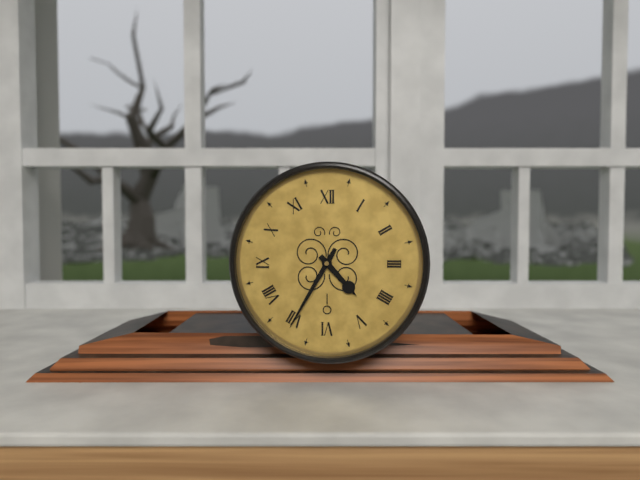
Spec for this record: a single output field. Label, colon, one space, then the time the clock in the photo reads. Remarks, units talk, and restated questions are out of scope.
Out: 4:35
